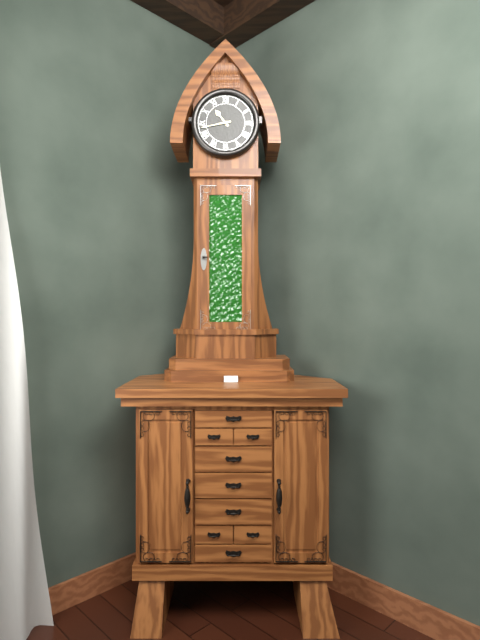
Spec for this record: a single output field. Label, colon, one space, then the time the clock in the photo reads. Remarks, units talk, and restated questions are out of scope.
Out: 10:43
